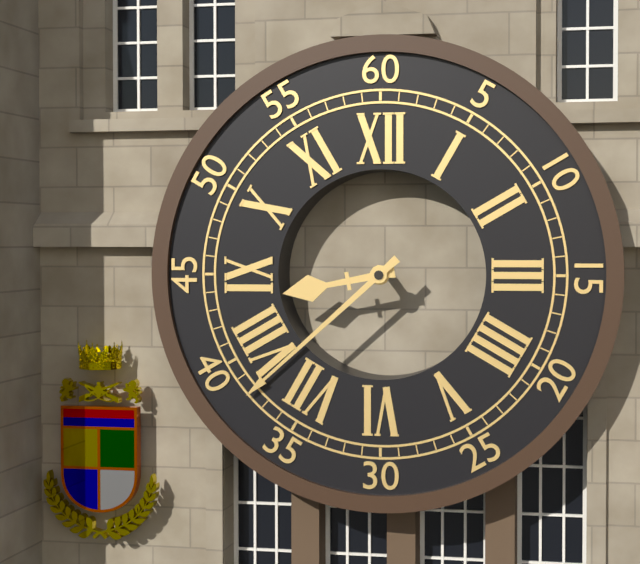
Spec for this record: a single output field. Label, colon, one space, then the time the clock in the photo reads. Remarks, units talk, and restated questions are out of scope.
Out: 8:38
